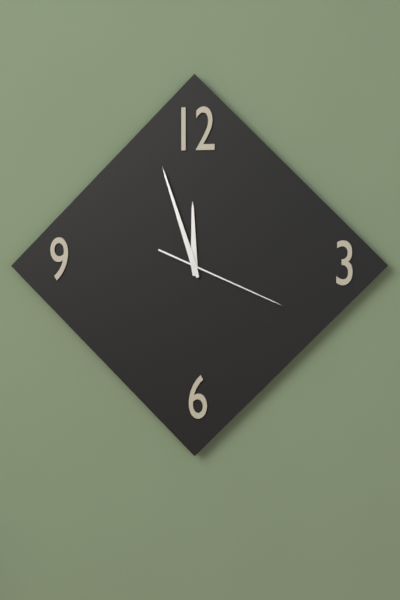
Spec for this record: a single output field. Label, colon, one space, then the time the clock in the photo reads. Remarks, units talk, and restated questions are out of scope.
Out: 11:57:19
